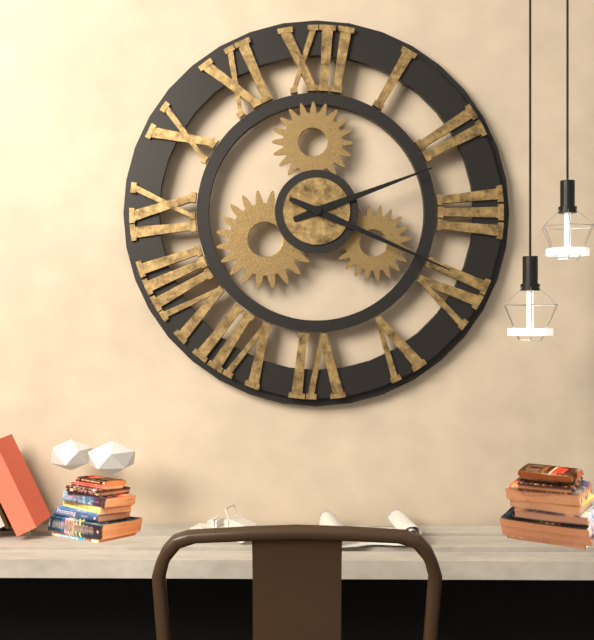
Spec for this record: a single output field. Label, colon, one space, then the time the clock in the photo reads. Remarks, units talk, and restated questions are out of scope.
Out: 2:19
